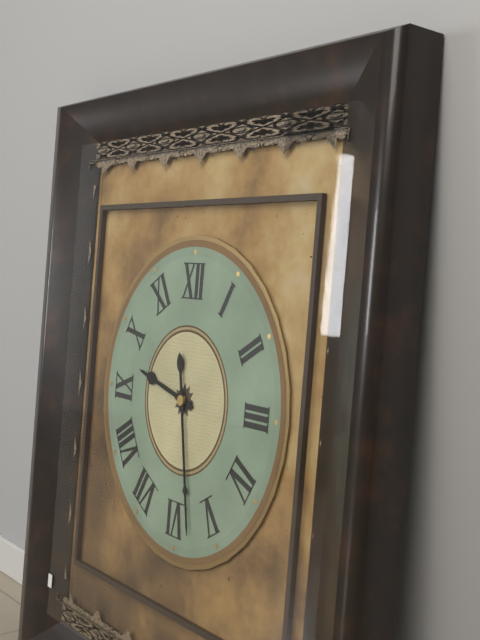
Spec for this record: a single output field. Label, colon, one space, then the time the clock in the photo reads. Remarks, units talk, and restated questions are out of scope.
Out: 9:28
